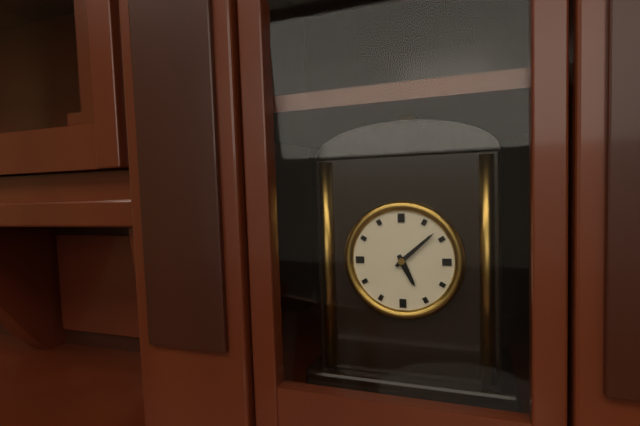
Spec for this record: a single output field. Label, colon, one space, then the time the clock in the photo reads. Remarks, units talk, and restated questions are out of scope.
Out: 5:08
